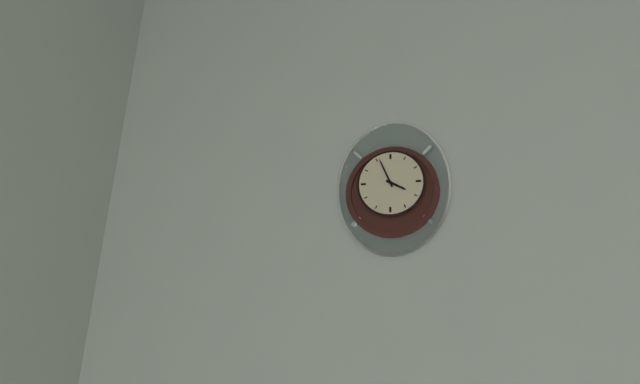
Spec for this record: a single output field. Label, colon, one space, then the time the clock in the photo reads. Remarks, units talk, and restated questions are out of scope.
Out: 3:56
